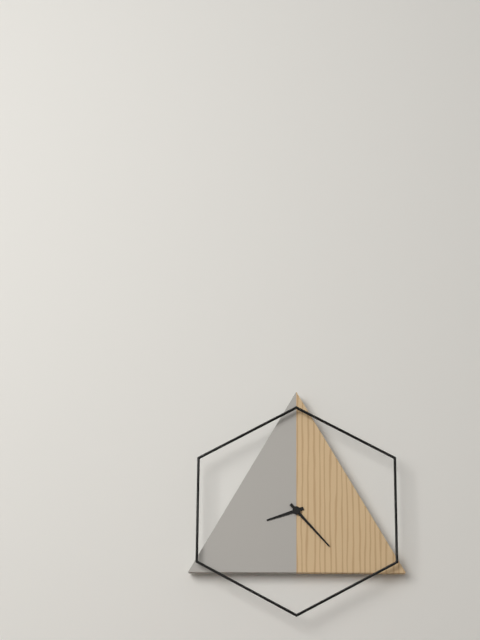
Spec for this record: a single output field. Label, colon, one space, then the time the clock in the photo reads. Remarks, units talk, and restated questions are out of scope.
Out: 8:23
